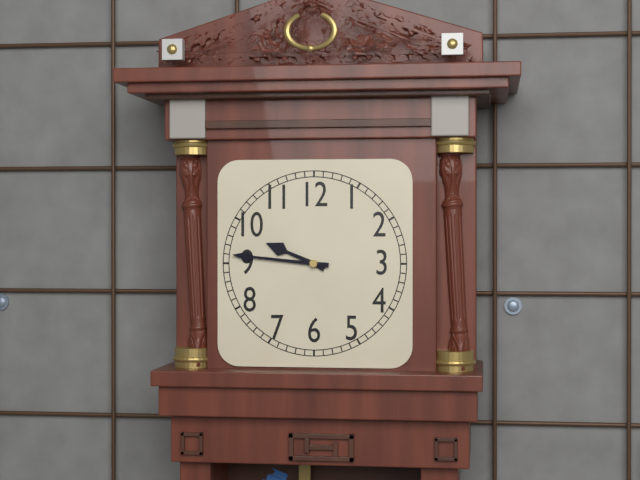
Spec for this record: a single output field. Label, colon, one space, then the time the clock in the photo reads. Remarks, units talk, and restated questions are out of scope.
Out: 9:46
